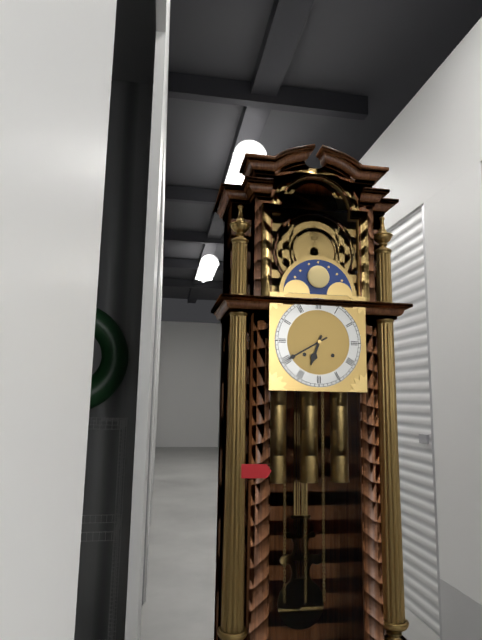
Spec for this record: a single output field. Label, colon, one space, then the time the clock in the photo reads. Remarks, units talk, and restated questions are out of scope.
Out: 6:40
